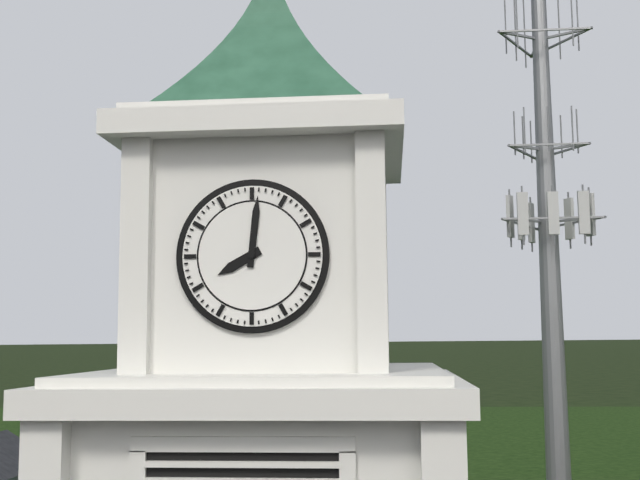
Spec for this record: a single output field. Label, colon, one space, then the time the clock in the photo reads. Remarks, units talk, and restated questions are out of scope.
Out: 8:01
